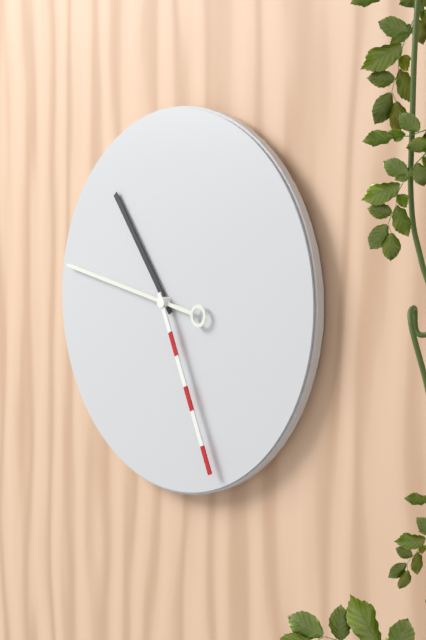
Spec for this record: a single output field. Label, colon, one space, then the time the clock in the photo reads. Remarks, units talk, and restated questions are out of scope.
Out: 10:47:26
